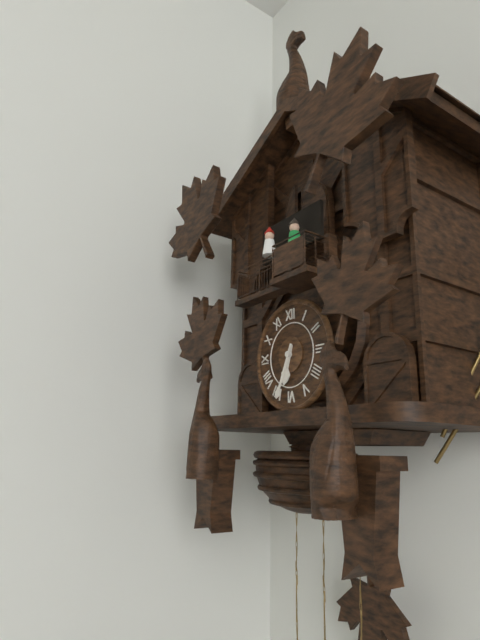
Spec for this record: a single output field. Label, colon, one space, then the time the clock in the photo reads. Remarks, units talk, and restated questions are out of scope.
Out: 6:34
